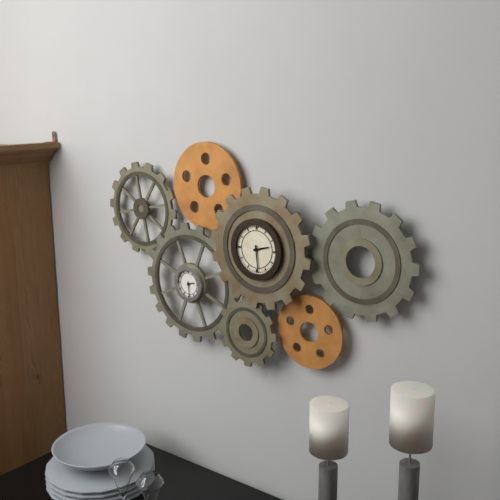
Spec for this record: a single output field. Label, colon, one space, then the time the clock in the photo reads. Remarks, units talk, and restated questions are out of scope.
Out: 2:29
